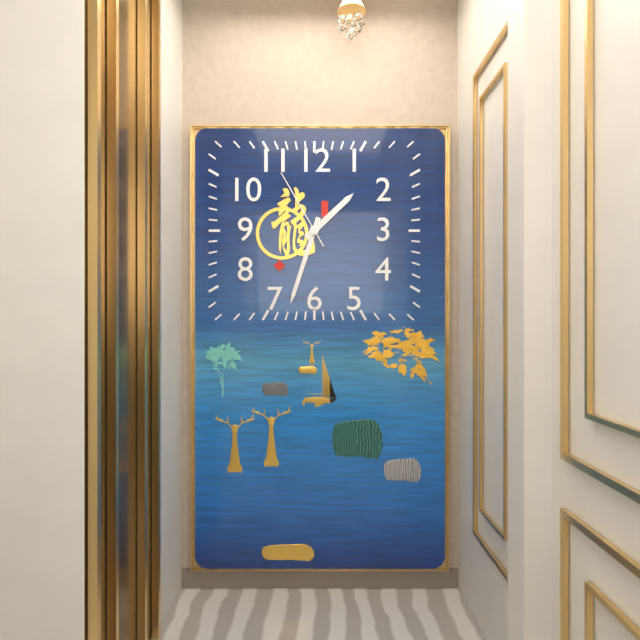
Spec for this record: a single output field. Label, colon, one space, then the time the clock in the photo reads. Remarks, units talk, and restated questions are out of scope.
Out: 1:33:55
